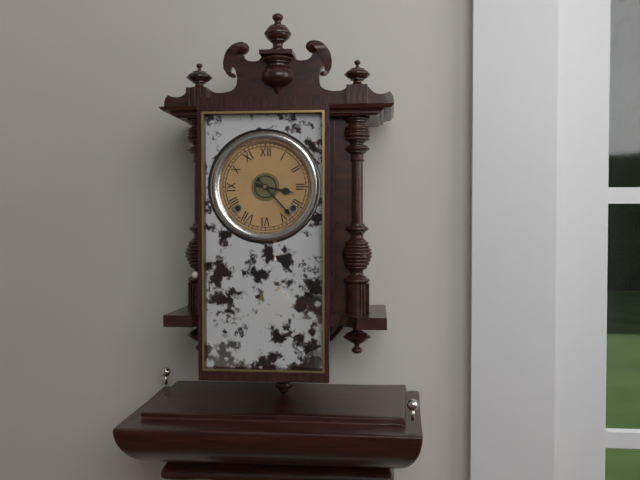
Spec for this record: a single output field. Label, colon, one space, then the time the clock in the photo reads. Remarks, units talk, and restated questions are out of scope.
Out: 3:23
